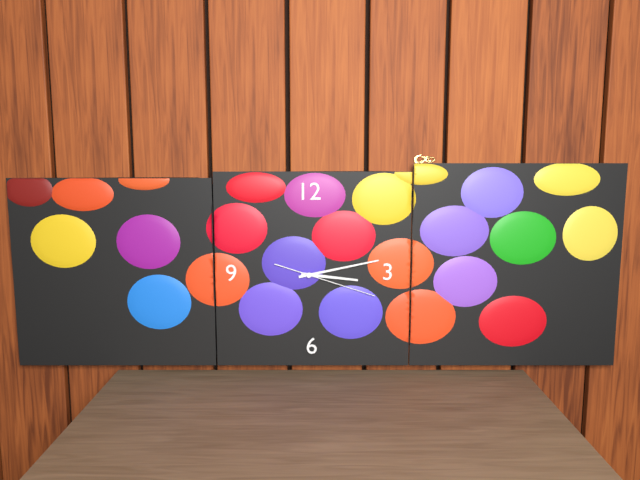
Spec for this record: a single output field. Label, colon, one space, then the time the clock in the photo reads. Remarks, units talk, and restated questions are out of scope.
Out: 3:13:18
